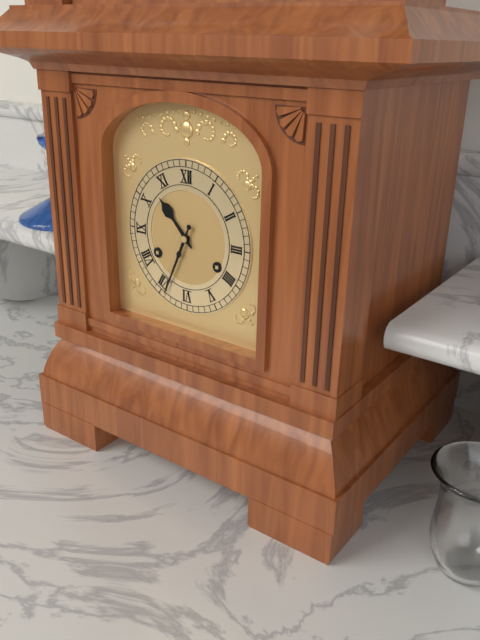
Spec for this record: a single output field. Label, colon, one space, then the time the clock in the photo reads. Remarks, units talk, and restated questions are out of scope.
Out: 10:34
